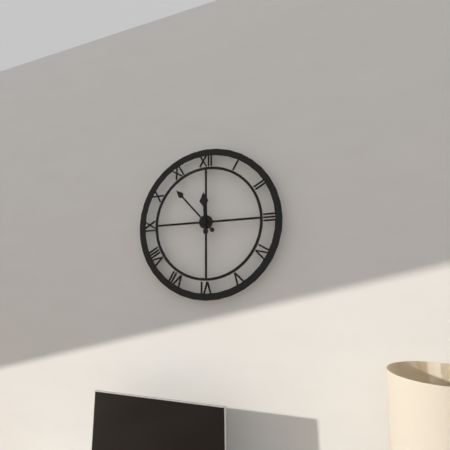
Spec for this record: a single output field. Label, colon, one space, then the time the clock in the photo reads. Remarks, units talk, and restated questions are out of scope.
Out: 11:53
